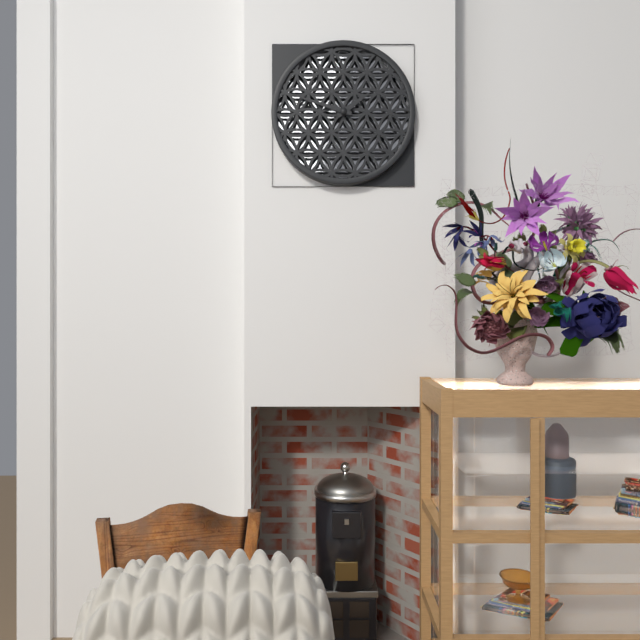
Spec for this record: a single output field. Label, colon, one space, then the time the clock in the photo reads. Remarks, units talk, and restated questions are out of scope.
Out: 1:48
